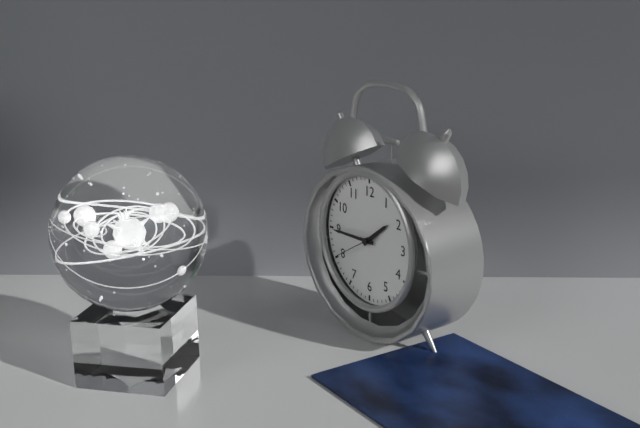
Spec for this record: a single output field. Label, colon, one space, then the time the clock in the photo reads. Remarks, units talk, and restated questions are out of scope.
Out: 1:45
